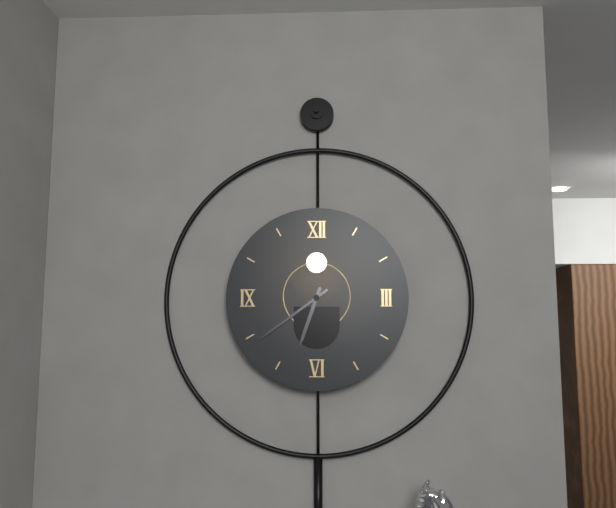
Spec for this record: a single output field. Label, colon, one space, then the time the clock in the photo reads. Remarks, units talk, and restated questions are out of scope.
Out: 6:39
